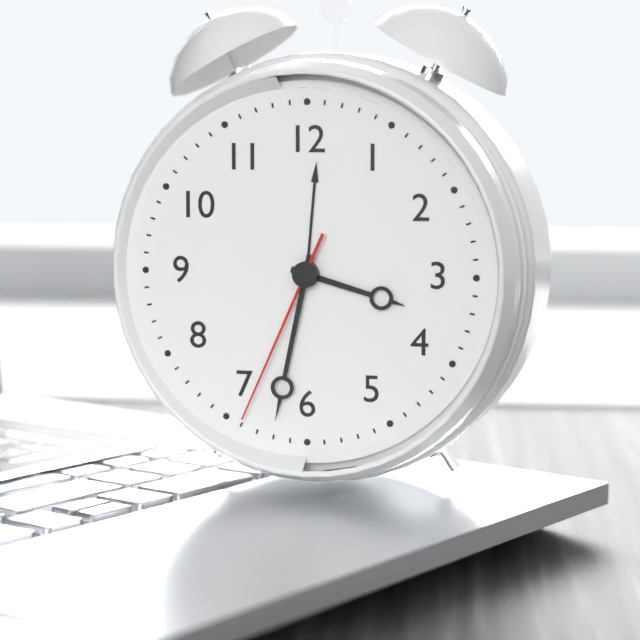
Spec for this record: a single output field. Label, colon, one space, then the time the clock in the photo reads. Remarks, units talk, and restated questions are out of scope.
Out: 3:32:34
